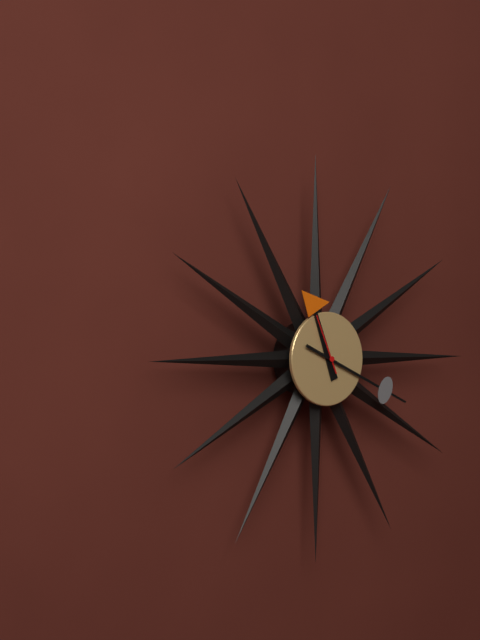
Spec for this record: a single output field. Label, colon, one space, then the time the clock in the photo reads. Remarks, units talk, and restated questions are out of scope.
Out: 11:19:56
